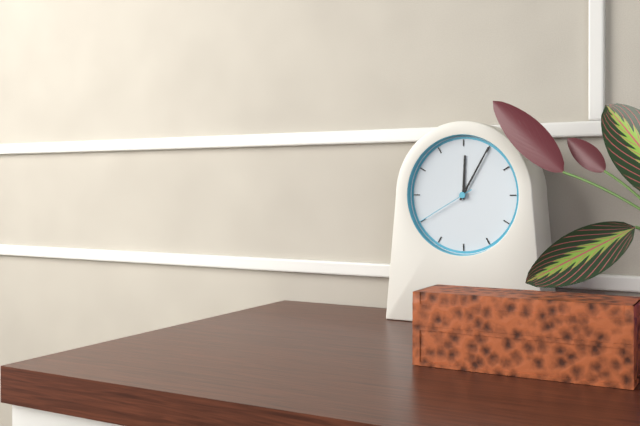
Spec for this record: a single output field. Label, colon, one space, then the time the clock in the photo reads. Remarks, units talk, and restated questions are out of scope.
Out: 12:05:40
